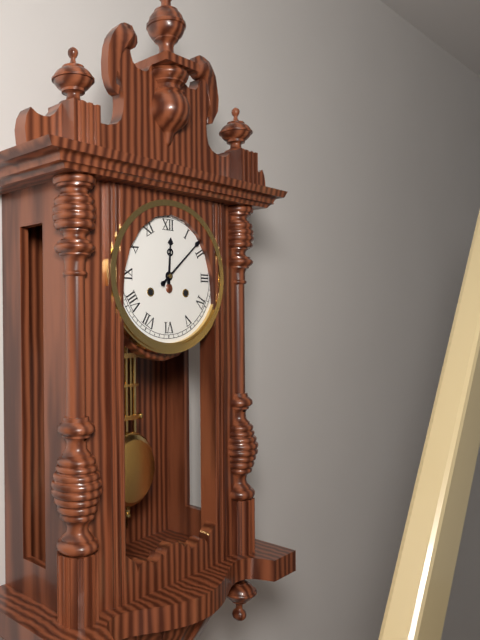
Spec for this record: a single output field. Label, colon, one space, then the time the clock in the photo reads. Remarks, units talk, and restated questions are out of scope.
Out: 12:08
